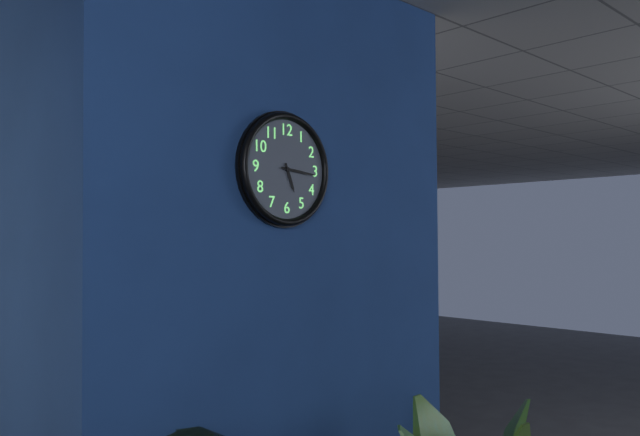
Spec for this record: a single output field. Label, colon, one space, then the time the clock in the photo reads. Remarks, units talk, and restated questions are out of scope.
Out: 5:16
